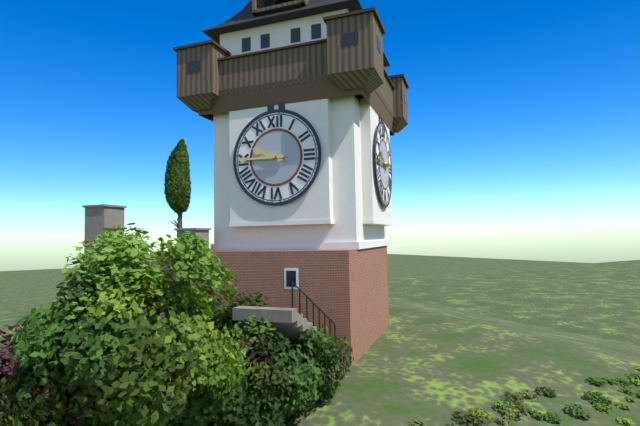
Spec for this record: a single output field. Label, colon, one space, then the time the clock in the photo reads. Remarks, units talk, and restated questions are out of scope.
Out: 9:45
